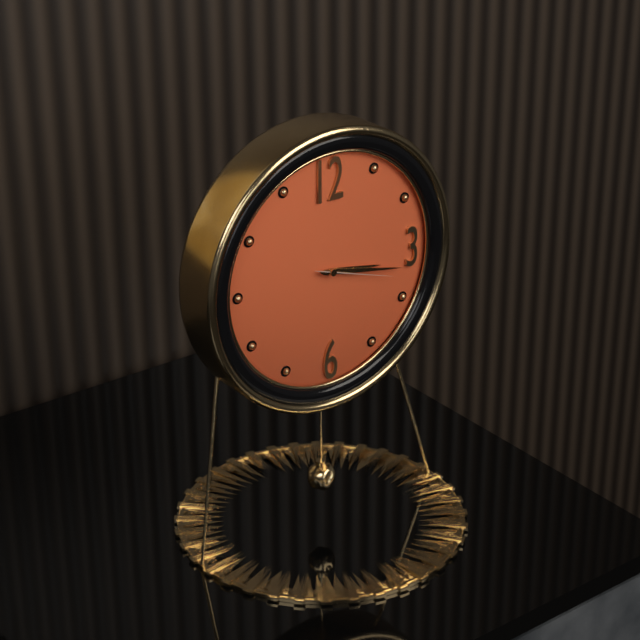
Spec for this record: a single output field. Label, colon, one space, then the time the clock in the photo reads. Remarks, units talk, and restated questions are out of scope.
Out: 3:17:18
